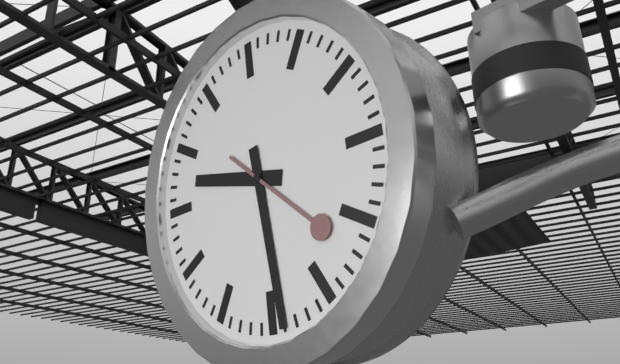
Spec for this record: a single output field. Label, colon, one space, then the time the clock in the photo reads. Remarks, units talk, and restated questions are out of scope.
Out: 9:29:22
